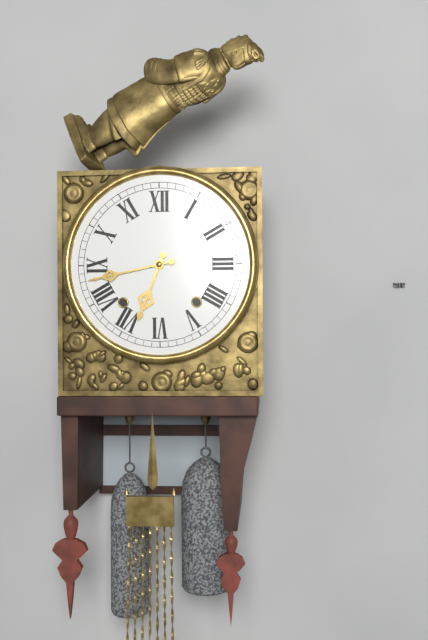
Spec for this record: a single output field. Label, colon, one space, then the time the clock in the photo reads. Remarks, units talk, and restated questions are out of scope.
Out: 6:43
